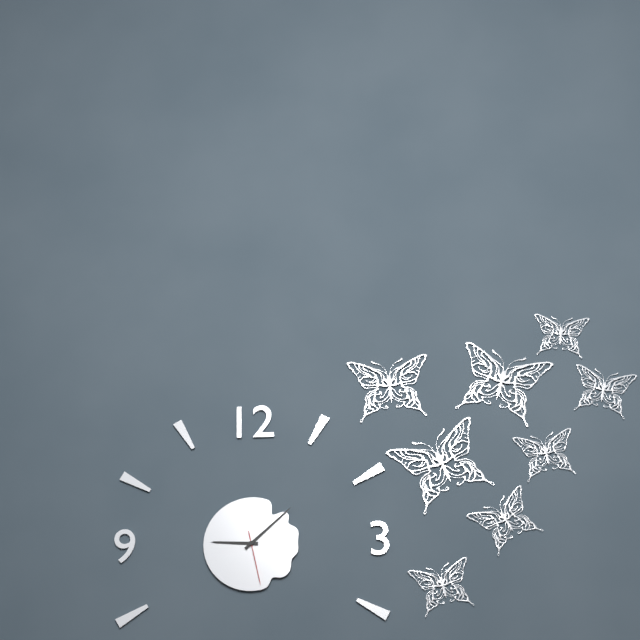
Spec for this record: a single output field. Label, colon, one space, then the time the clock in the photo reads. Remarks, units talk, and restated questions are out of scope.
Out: 9:08:28
